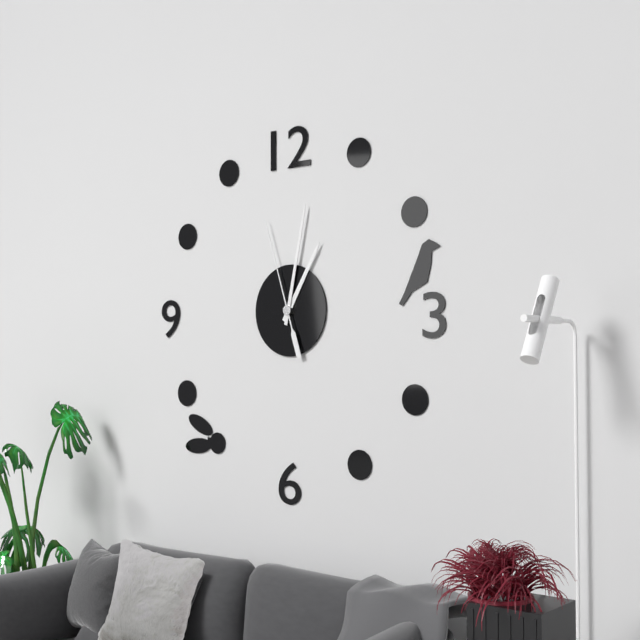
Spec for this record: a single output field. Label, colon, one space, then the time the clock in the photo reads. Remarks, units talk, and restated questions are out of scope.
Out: 1:02:57
